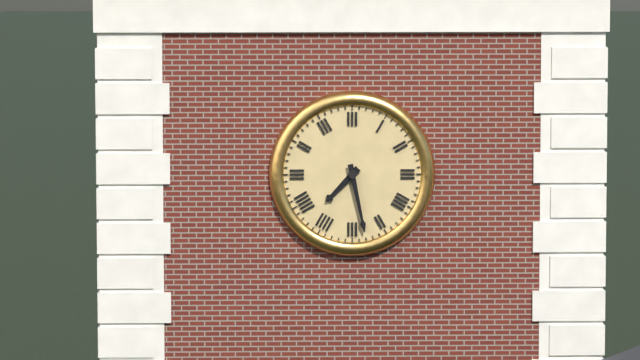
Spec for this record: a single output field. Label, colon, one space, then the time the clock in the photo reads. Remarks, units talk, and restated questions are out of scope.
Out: 7:28
